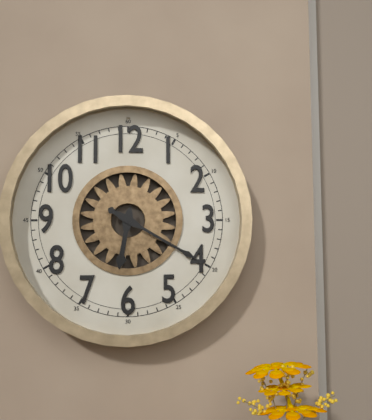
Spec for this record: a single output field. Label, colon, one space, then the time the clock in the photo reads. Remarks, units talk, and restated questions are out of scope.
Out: 6:20
